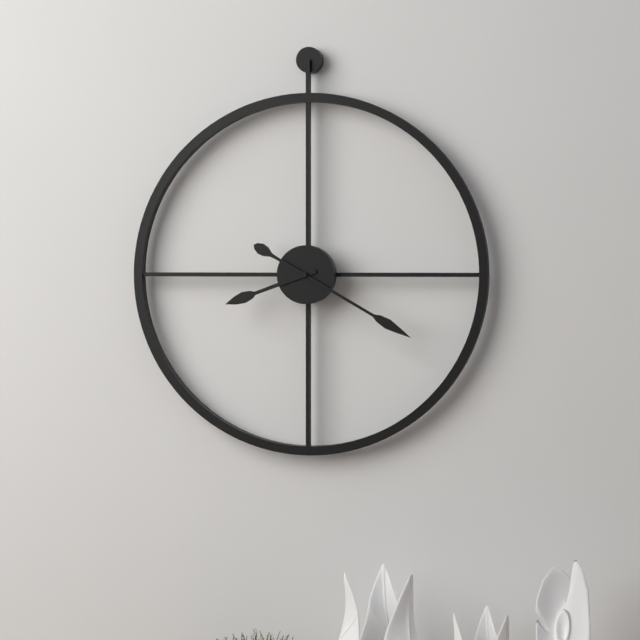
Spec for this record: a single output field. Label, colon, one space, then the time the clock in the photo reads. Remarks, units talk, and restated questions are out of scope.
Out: 8:20
